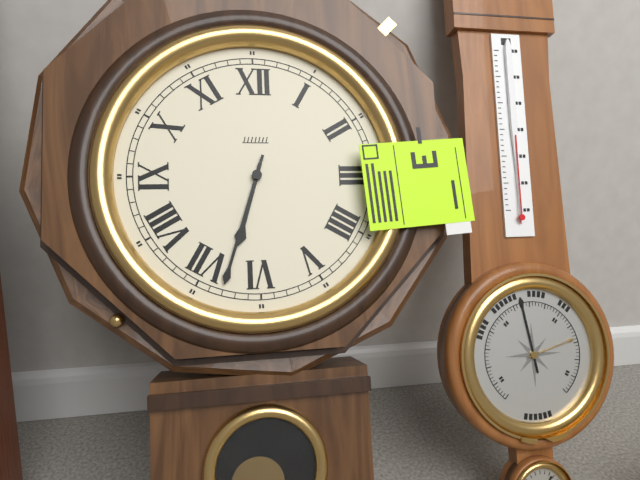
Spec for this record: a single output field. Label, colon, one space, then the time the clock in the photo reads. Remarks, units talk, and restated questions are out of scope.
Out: 6:33
